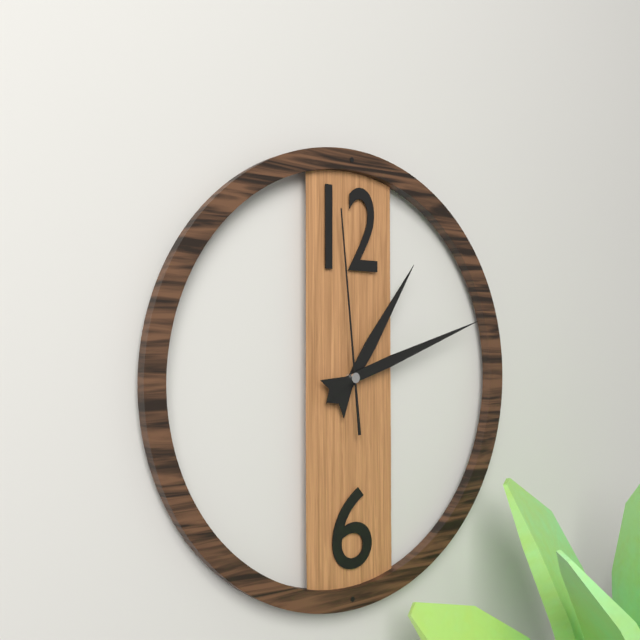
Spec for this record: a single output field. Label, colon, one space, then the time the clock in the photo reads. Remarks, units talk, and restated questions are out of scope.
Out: 1:12:59
